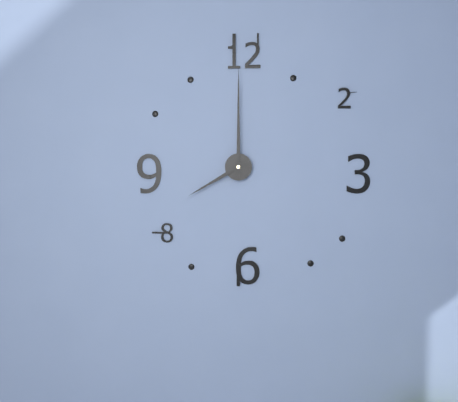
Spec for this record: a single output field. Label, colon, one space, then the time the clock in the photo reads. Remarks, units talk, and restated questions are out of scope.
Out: 8:00
